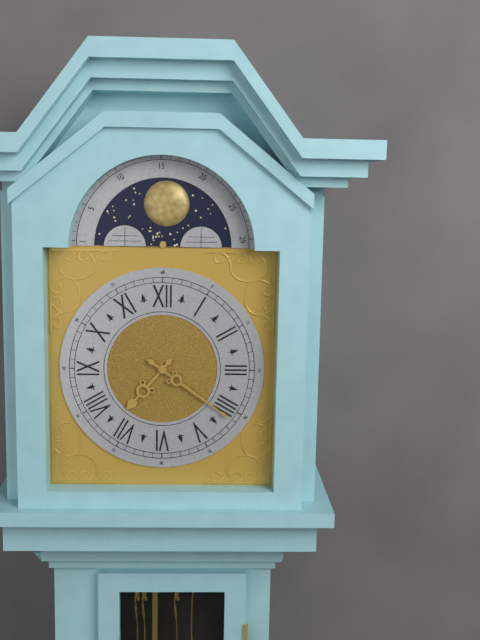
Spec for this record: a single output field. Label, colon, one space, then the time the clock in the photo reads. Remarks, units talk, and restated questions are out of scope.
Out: 7:21
